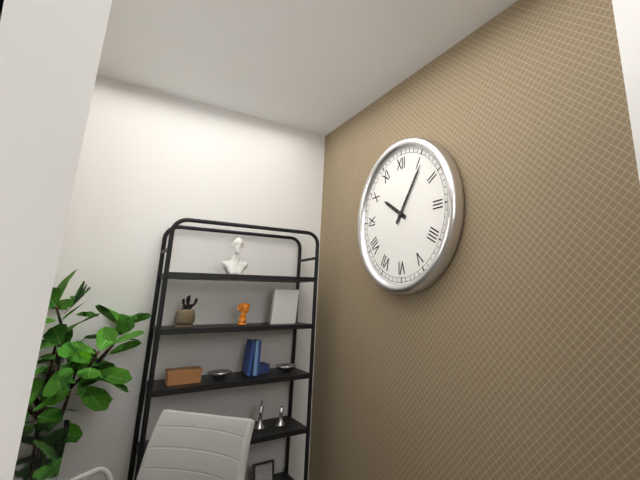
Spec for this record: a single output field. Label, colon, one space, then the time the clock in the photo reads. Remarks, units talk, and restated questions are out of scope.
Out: 10:06
